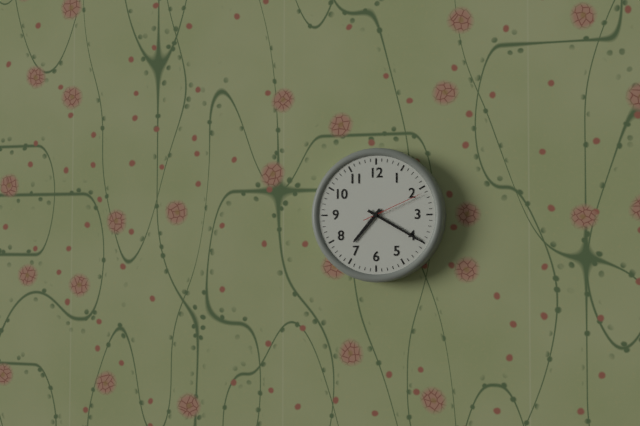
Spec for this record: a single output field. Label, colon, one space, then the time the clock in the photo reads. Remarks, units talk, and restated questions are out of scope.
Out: 7:20:11
